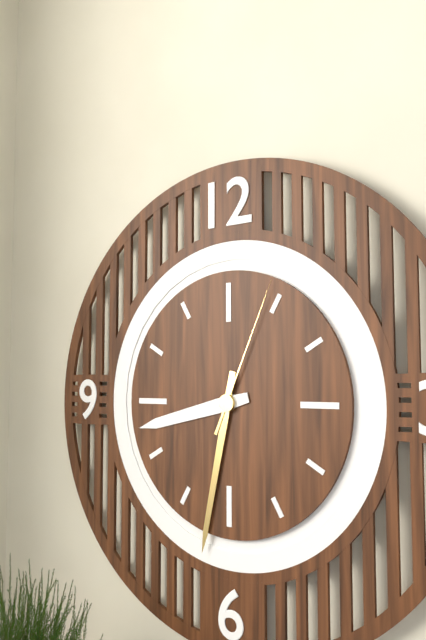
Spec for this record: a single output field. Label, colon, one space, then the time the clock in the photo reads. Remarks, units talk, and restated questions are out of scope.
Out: 8:32:04
